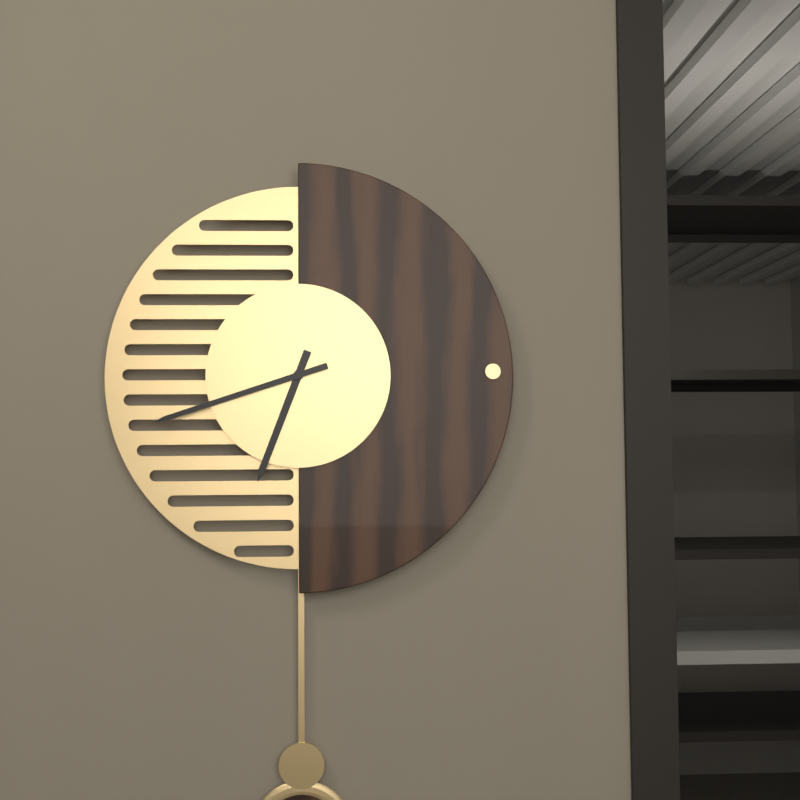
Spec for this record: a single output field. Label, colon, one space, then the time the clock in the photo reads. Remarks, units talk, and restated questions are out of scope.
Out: 6:42
